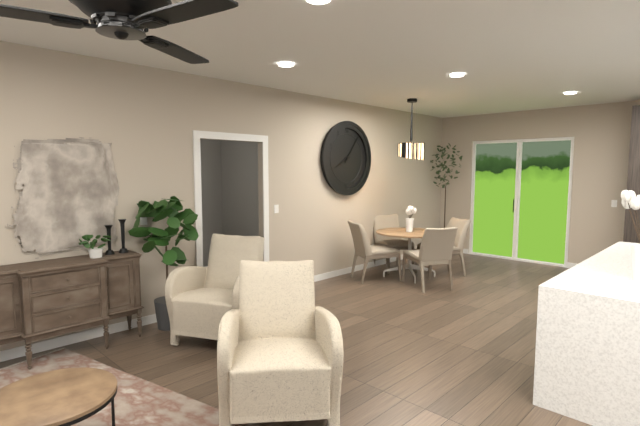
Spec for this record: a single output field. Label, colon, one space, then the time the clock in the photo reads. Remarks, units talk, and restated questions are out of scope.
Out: 8:06
